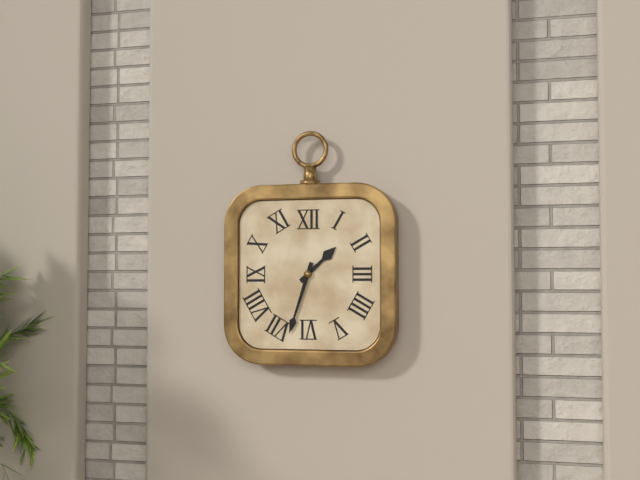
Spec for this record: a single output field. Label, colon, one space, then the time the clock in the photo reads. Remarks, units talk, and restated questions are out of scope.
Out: 1:33
